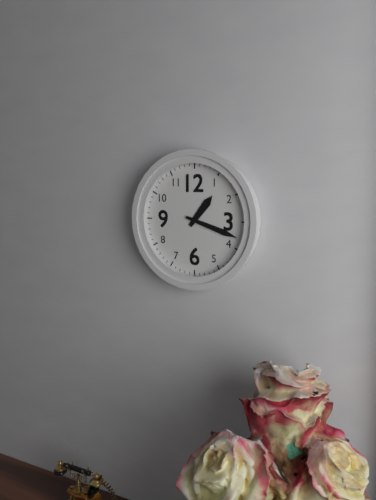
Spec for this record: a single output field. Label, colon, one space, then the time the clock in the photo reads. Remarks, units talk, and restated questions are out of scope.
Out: 1:18
